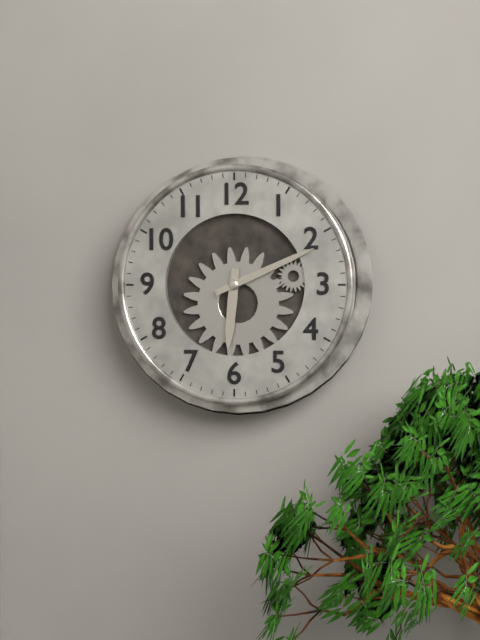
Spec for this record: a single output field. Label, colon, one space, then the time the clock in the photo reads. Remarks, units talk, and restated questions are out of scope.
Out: 6:11
